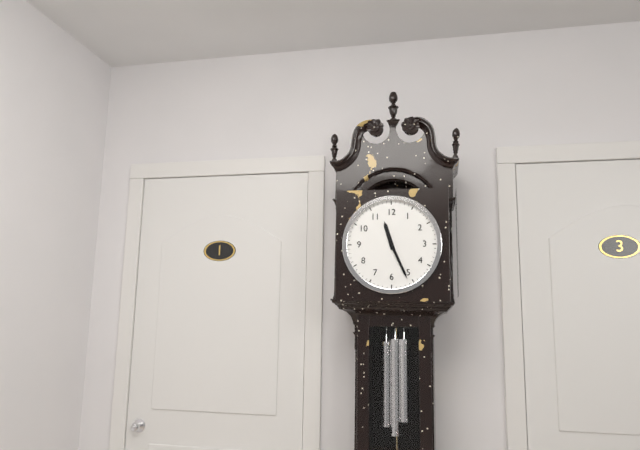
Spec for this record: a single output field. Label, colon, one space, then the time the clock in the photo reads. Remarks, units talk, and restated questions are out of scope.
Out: 11:26
